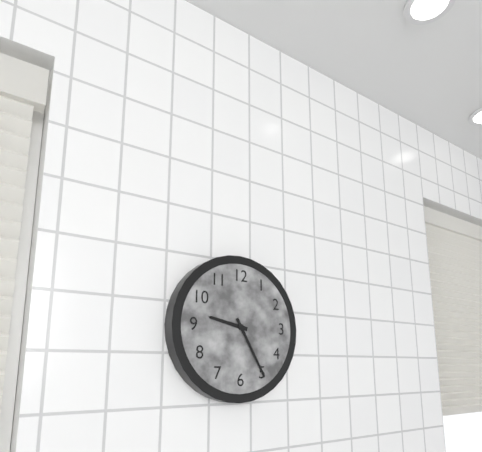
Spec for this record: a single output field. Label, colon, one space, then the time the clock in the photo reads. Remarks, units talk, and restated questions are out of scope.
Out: 9:25
